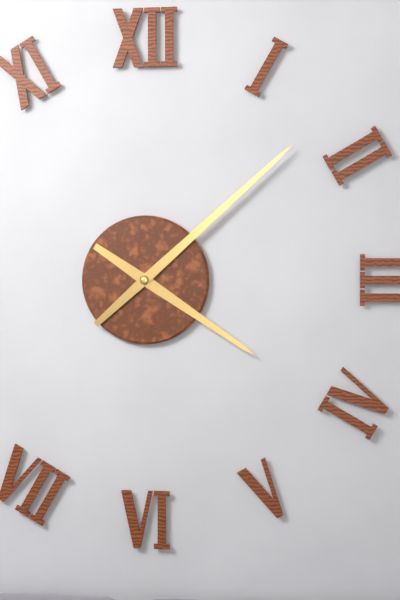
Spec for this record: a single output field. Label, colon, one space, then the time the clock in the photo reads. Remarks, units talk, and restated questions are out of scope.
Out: 4:08
